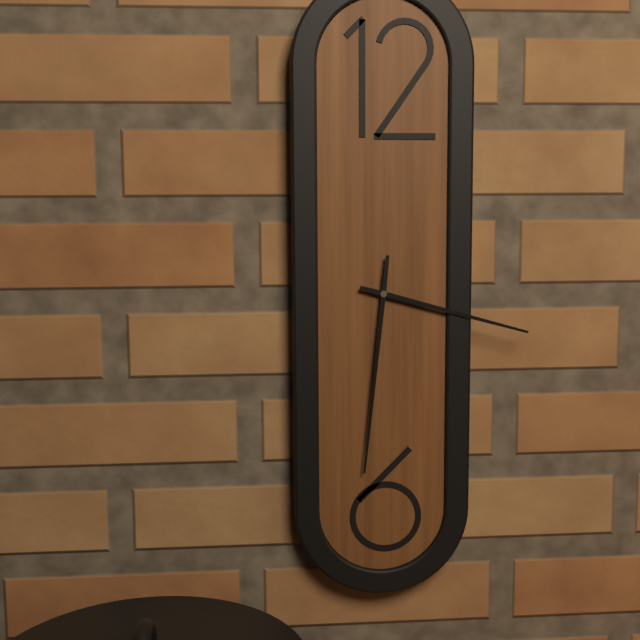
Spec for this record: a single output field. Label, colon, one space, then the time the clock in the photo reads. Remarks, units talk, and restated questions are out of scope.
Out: 3:31
